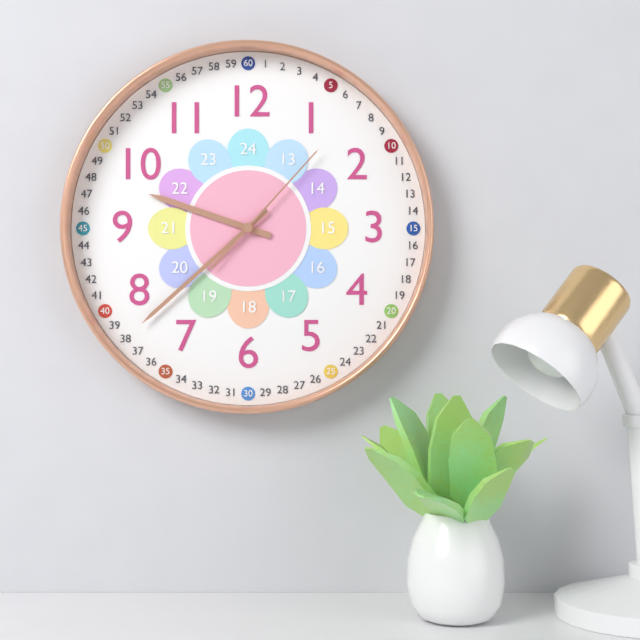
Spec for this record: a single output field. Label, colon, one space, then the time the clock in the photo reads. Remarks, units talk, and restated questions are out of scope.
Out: 9:38:07
